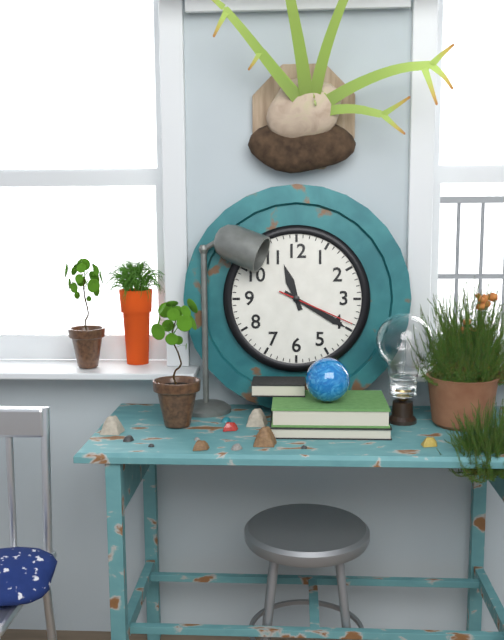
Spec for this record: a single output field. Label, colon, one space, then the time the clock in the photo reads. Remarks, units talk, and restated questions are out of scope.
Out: 11:20:19
